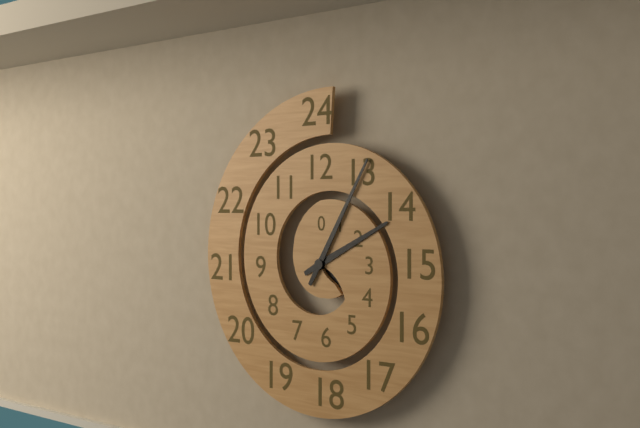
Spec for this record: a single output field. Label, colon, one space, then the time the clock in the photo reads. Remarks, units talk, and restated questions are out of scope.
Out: 2:05
